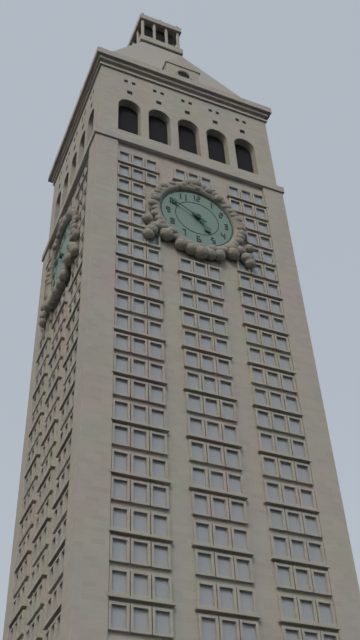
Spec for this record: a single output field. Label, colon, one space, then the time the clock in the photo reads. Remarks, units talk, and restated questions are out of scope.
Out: 4:50
